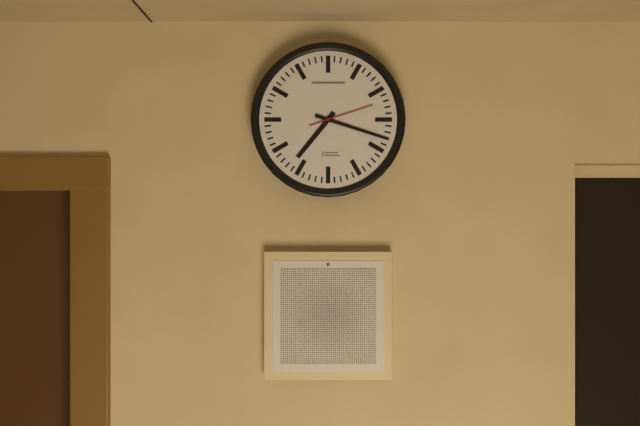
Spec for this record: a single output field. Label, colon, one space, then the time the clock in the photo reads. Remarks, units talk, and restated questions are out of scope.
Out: 7:18:12
